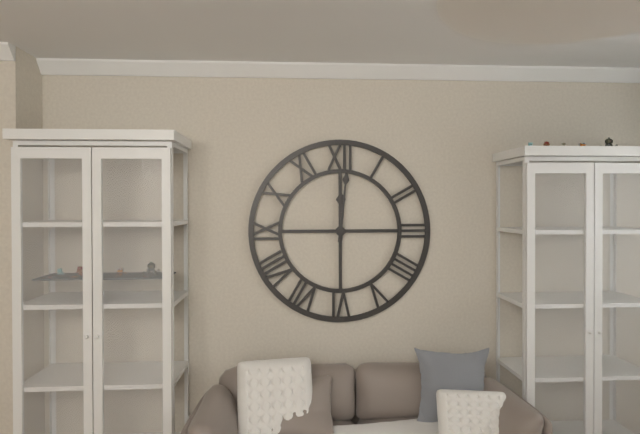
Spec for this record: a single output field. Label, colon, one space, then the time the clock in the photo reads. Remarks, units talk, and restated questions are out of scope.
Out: 12:01
